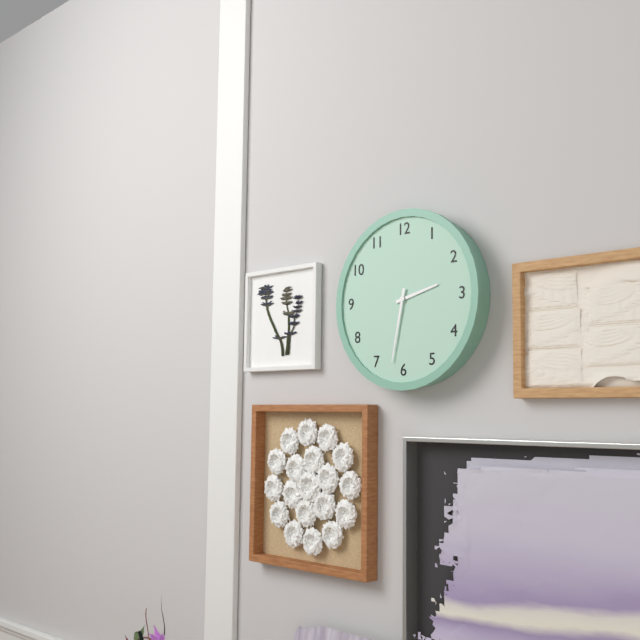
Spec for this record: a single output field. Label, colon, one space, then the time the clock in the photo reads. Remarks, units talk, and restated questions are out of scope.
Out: 2:32
